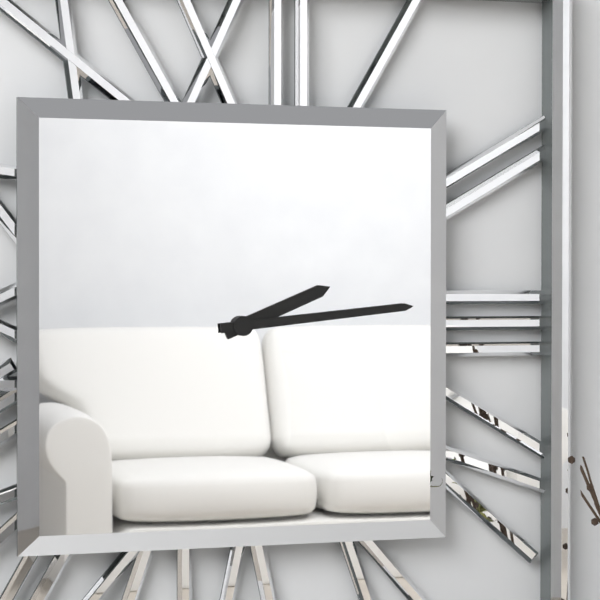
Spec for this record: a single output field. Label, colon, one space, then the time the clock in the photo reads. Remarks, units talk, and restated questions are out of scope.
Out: 2:14
